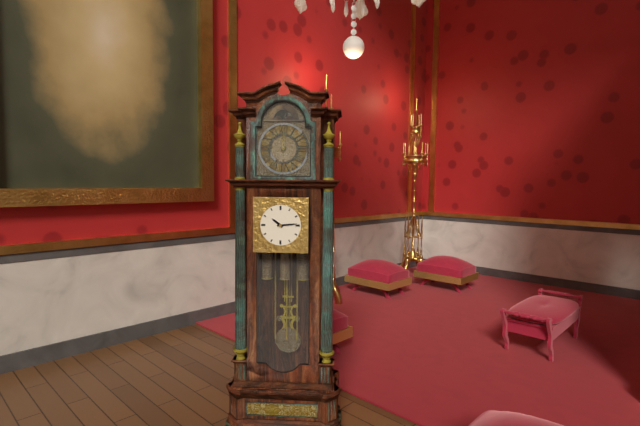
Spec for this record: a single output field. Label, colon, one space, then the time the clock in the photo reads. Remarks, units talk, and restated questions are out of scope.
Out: 10:14
